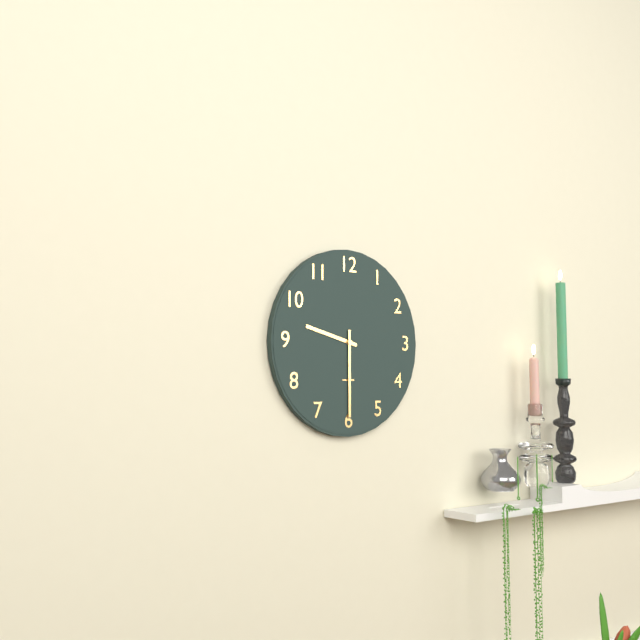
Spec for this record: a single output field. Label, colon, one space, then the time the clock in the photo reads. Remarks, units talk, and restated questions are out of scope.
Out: 9:30
